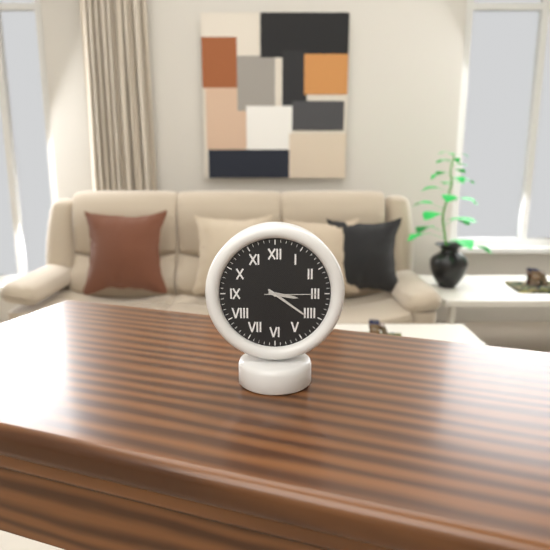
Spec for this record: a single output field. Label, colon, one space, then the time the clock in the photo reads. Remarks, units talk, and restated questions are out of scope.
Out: 3:21:15
